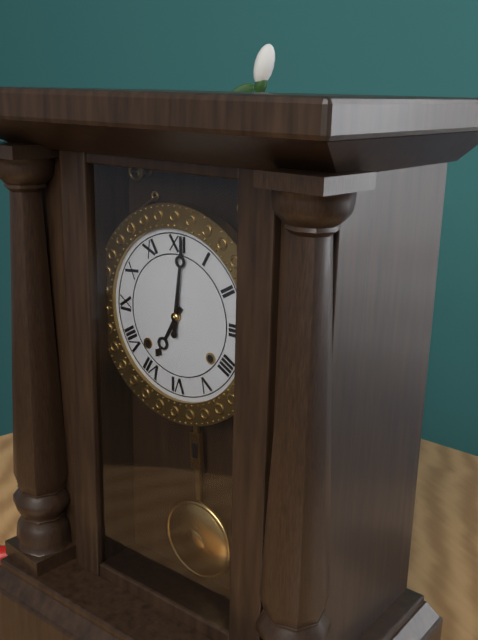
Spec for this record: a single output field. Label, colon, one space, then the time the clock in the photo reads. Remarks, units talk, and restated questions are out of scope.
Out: 7:01
